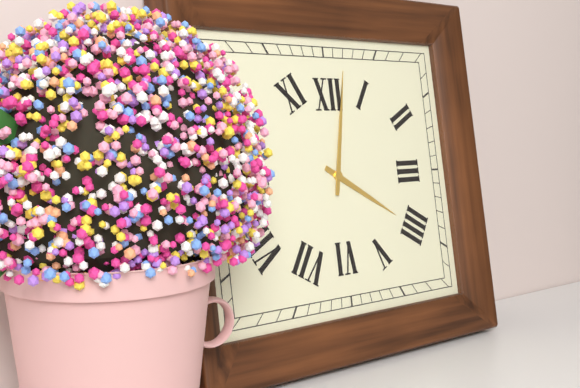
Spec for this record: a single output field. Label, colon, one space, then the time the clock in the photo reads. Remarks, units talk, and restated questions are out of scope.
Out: 4:02
